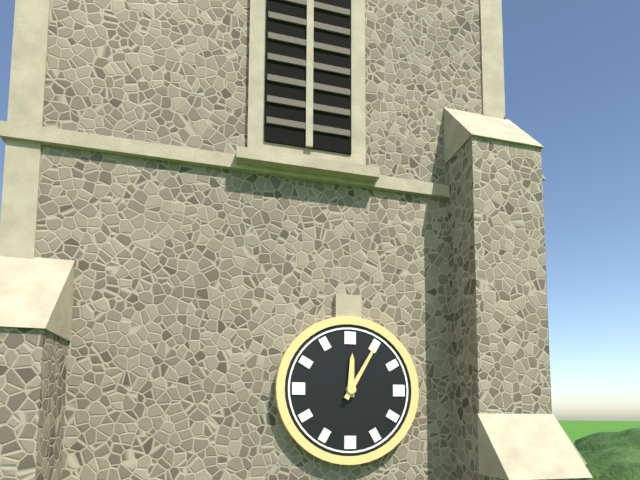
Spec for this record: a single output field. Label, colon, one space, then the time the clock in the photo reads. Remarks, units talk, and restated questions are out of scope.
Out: 12:05
